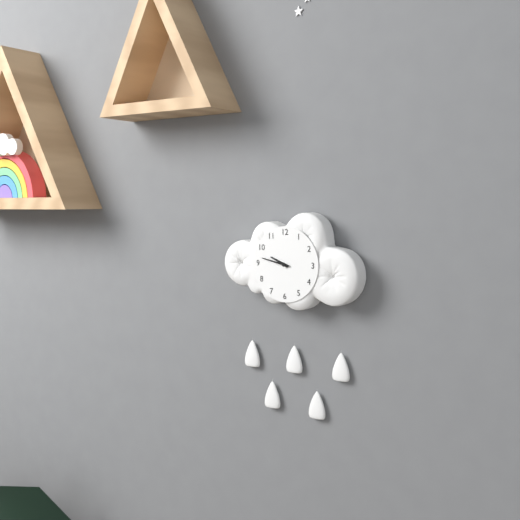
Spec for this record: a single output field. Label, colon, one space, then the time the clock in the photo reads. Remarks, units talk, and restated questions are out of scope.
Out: 9:47
